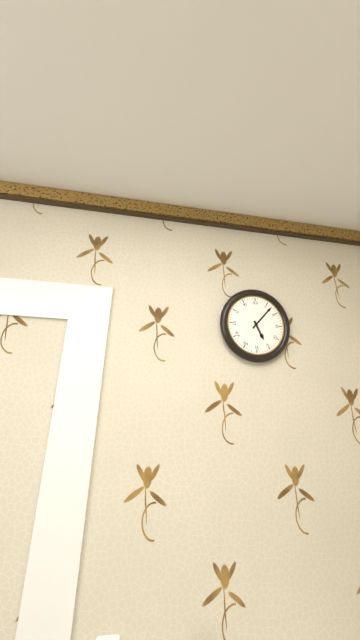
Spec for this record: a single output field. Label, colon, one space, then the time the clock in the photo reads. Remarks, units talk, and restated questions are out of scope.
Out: 5:07
